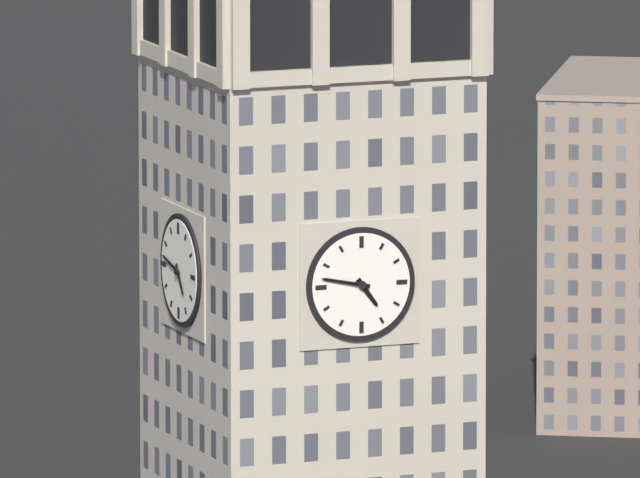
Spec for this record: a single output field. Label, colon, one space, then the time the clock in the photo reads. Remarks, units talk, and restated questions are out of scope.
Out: 4:47
